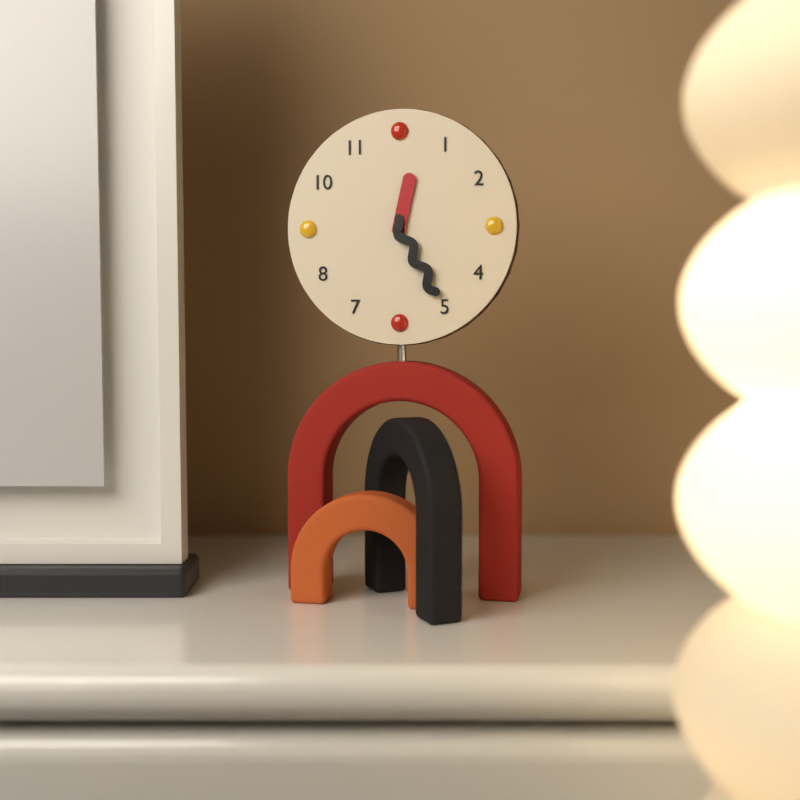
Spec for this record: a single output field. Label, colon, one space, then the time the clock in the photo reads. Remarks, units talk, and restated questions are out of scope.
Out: 12:25
